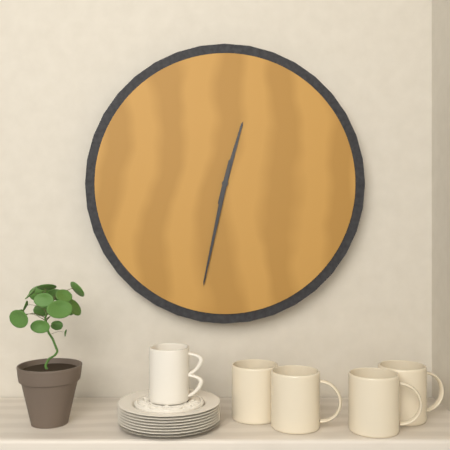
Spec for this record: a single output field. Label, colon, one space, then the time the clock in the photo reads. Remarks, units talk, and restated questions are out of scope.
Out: 12:32
